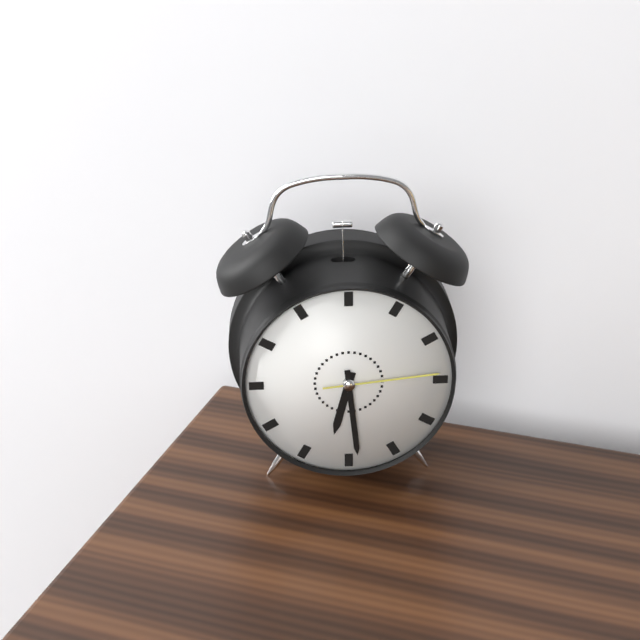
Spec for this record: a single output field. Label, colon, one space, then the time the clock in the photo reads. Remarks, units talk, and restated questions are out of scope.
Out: 6:29:14
